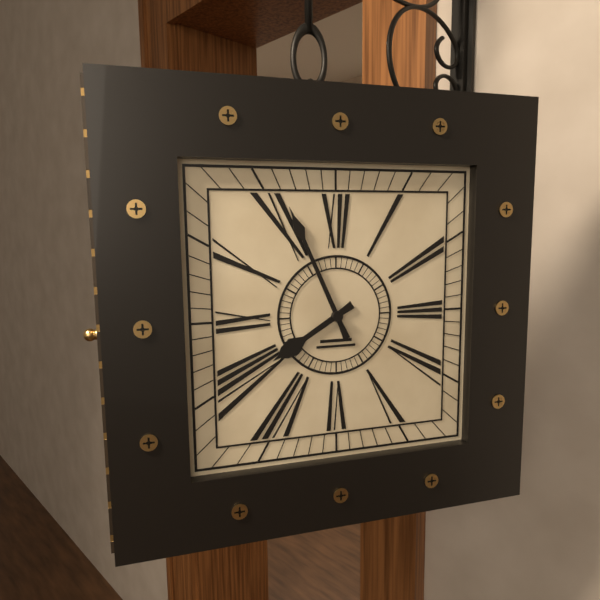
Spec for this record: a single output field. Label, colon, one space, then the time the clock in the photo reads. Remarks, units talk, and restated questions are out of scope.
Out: 7:56
